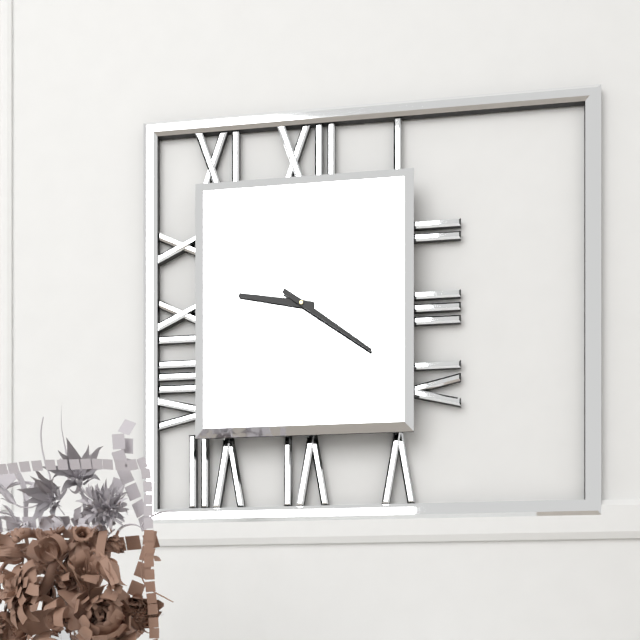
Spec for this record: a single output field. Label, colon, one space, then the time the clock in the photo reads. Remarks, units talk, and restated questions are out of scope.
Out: 9:21
